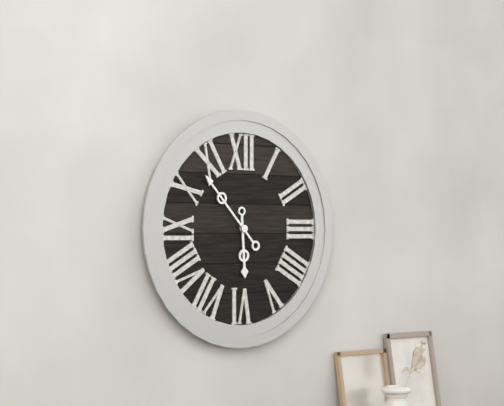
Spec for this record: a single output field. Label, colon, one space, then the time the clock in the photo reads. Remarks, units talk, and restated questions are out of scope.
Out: 5:53
